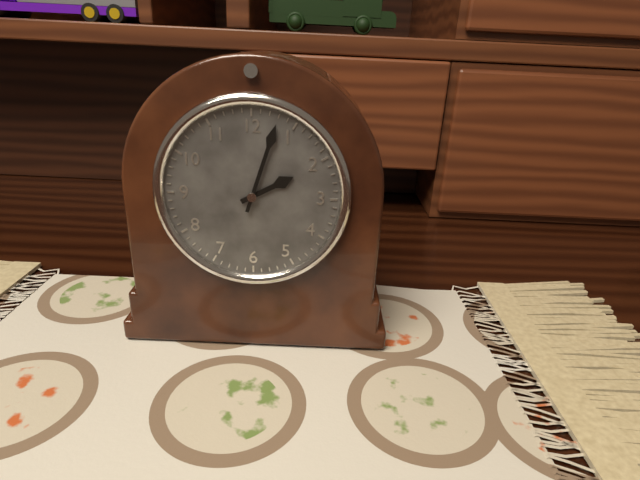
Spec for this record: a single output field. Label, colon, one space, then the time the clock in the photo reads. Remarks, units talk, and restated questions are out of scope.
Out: 2:03
